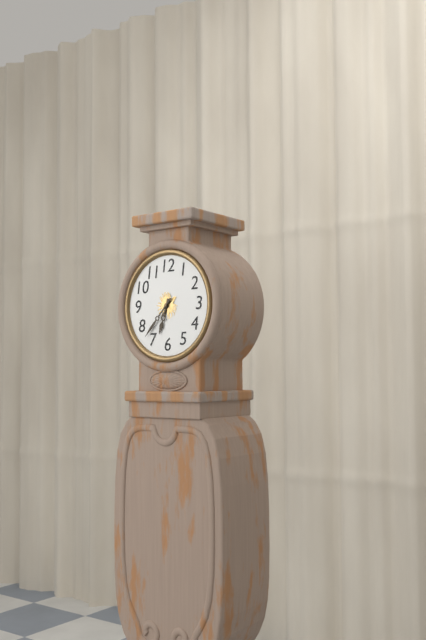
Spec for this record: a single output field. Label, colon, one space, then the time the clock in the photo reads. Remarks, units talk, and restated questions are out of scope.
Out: 6:37
